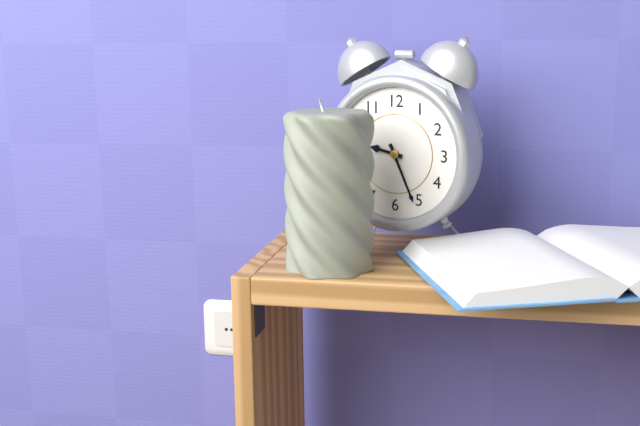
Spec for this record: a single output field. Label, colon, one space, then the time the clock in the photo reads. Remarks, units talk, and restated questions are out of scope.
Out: 9:26
